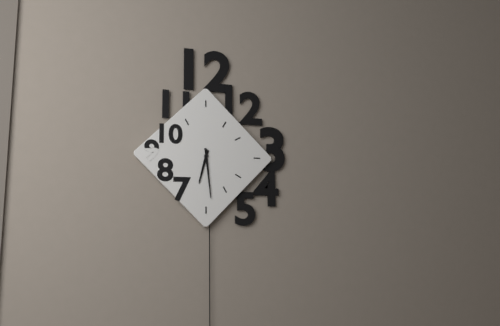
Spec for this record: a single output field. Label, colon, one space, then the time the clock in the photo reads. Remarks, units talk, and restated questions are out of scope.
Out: 6:29
